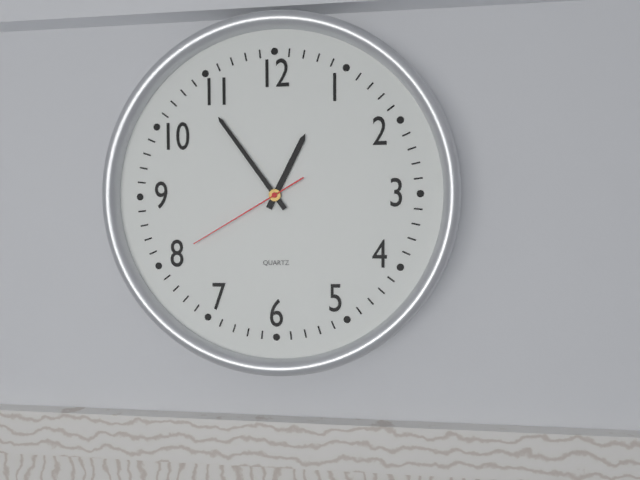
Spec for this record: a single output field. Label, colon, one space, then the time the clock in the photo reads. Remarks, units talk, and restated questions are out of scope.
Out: 12:54:40
